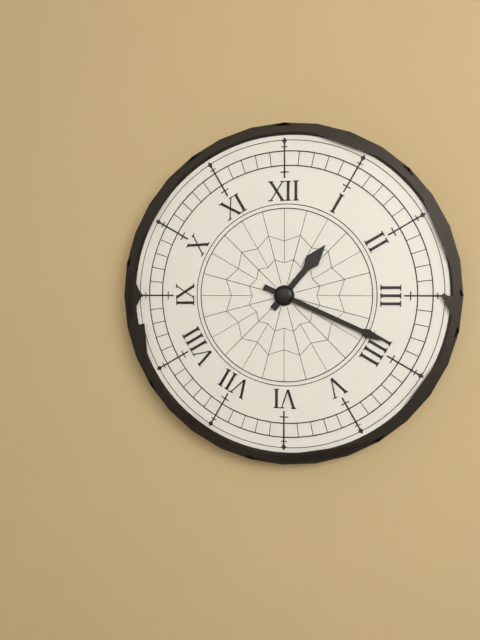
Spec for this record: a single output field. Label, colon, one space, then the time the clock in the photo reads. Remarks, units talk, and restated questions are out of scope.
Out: 1:19
